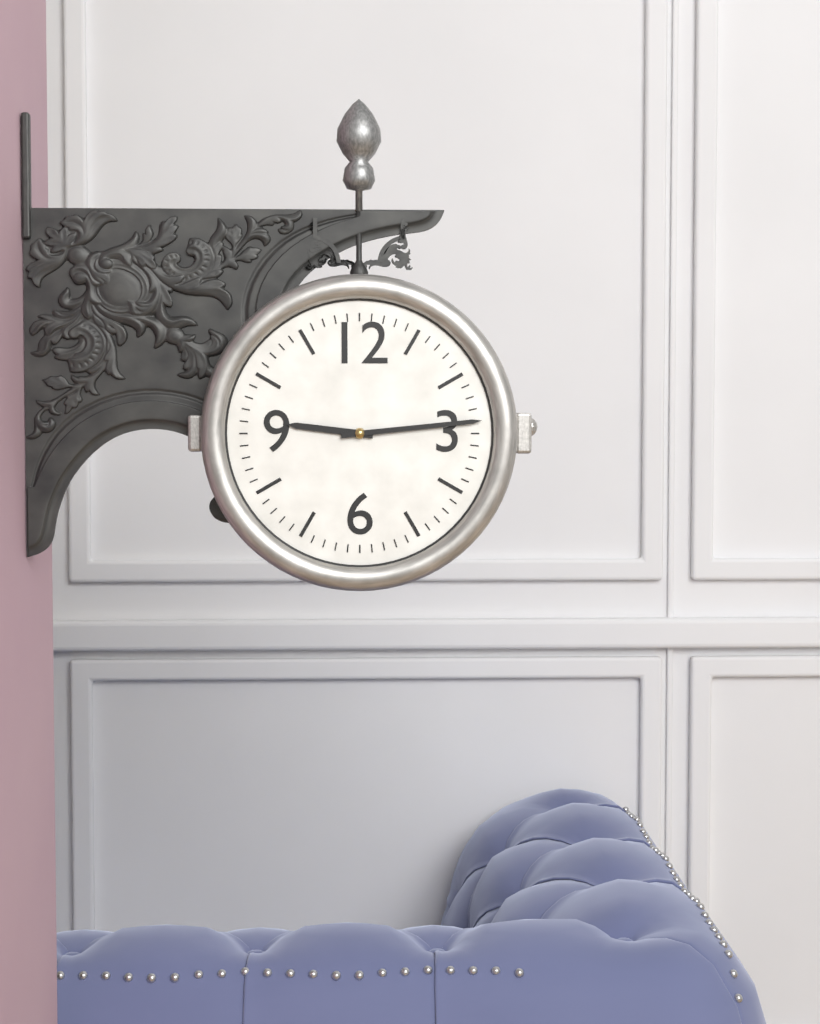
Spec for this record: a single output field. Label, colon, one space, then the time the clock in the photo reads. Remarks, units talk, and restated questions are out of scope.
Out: 9:14
